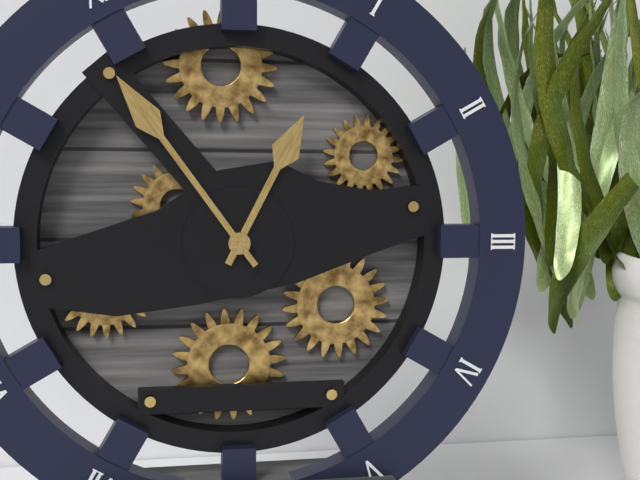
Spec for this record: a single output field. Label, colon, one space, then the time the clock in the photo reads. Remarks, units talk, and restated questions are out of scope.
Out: 12:54
